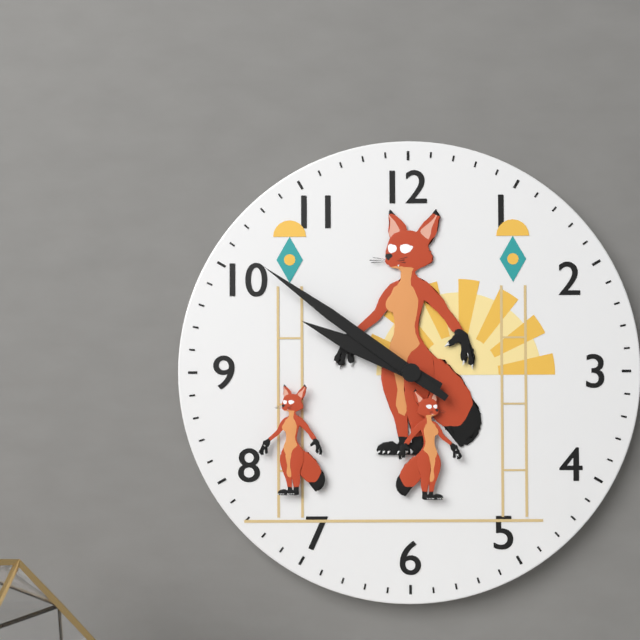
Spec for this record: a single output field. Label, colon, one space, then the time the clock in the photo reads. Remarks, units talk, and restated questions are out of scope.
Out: 9:51
